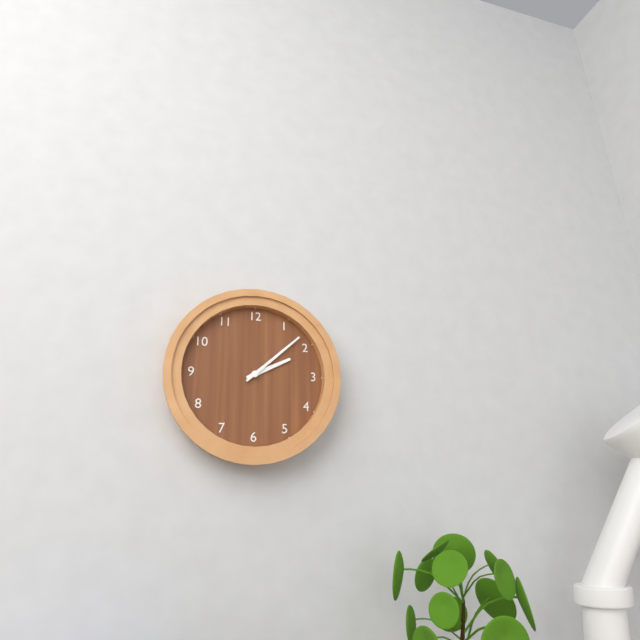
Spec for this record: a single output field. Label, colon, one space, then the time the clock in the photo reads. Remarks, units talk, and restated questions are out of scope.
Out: 2:08
